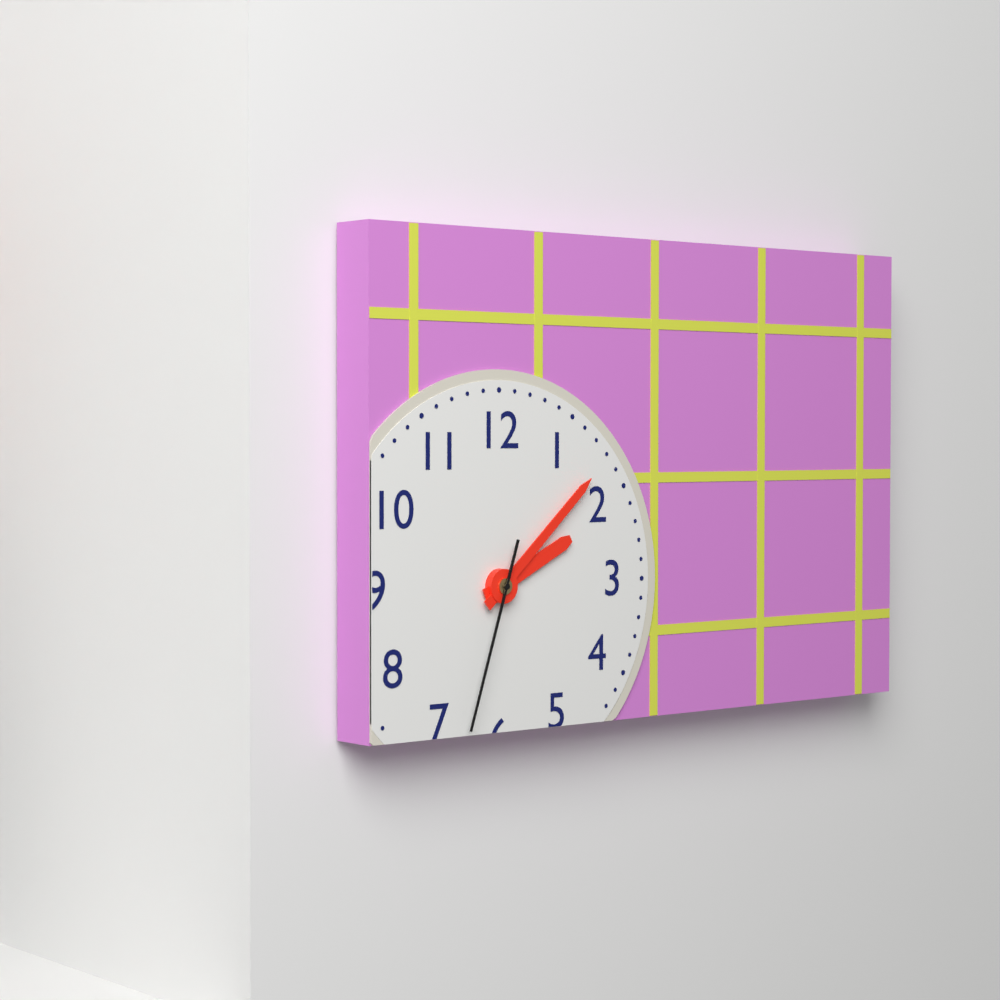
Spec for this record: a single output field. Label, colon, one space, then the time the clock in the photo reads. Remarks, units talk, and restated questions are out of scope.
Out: 2:08:33
